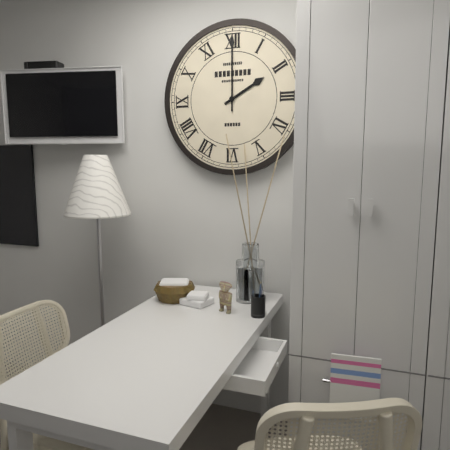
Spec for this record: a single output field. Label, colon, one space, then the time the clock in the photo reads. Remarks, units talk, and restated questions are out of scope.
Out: 2:00
